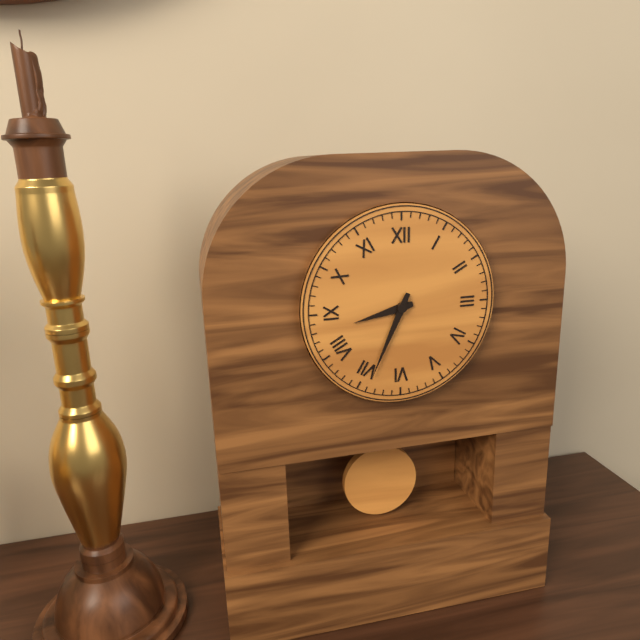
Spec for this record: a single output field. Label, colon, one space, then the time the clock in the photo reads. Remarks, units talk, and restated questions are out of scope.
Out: 8:34
